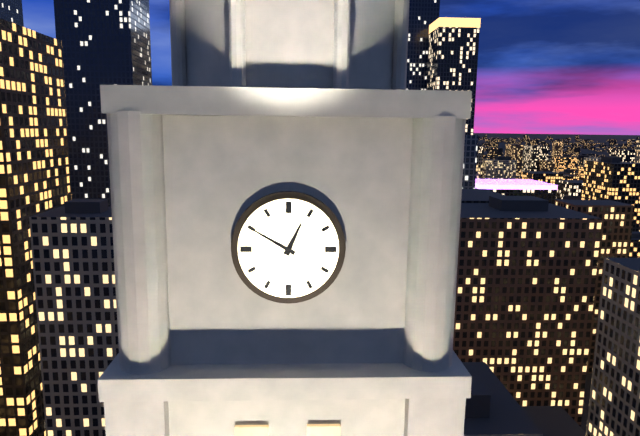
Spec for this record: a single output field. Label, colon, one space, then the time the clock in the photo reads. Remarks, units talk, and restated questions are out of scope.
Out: 12:50
